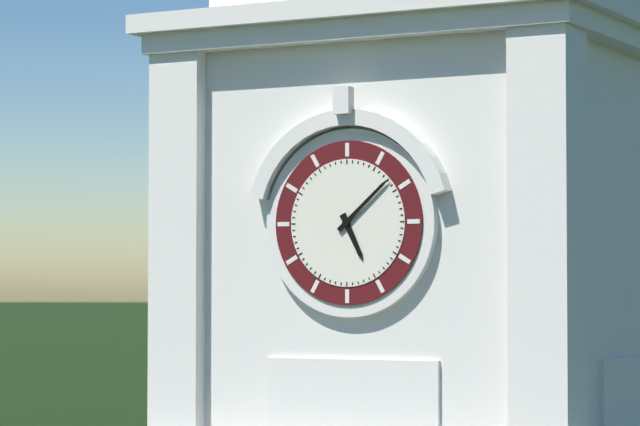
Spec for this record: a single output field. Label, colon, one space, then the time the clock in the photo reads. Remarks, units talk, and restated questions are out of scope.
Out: 5:08
